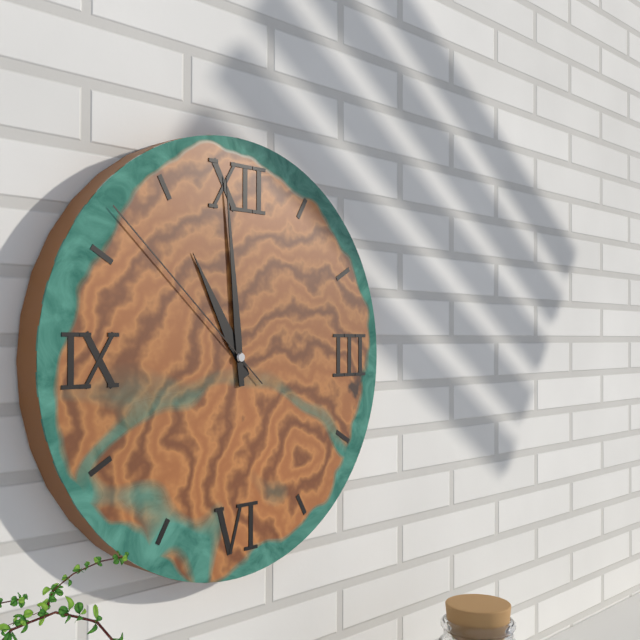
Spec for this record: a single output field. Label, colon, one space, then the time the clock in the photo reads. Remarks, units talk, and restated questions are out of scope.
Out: 10:59:52
